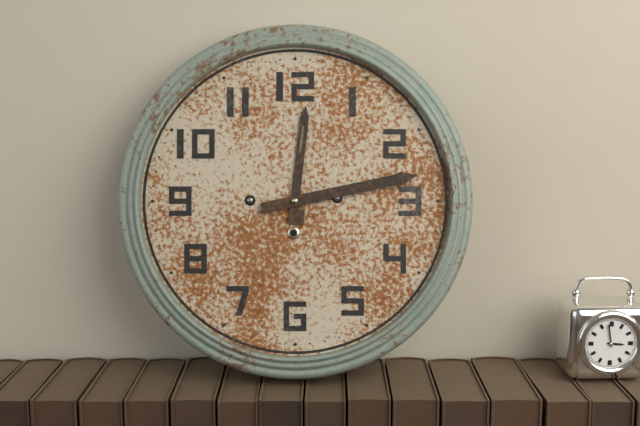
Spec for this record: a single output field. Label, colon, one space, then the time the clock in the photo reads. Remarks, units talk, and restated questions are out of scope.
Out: 12:13
